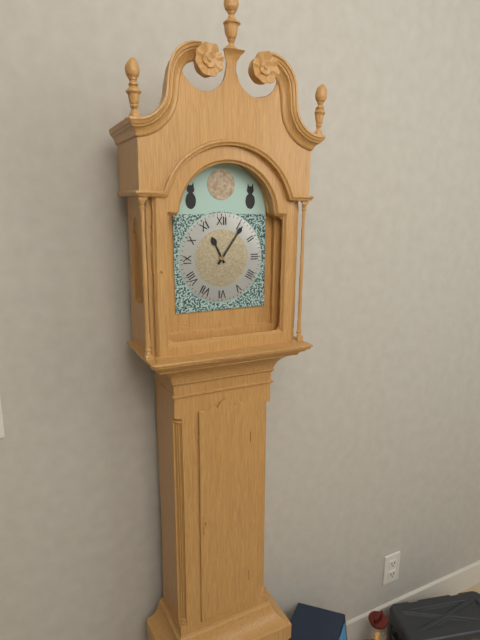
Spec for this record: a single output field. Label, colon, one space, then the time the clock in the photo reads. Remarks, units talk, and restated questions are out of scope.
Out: 11:06
